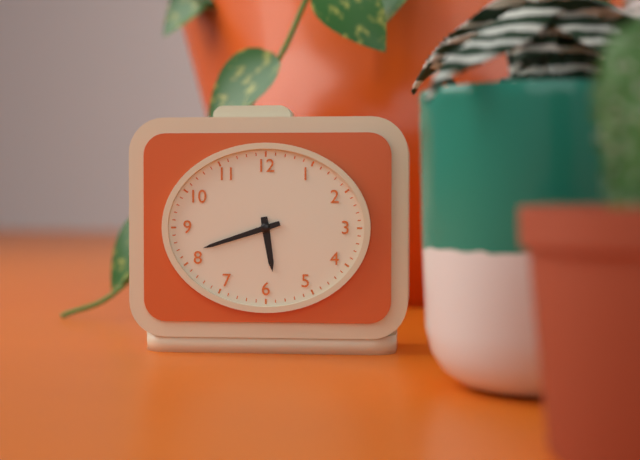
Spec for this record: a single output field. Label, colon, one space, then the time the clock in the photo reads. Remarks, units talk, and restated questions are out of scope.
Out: 5:42
